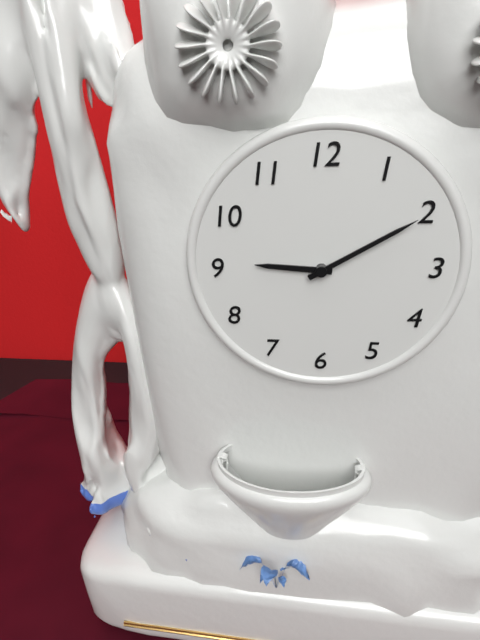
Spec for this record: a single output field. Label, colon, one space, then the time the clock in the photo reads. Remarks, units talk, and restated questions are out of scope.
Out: 9:10
